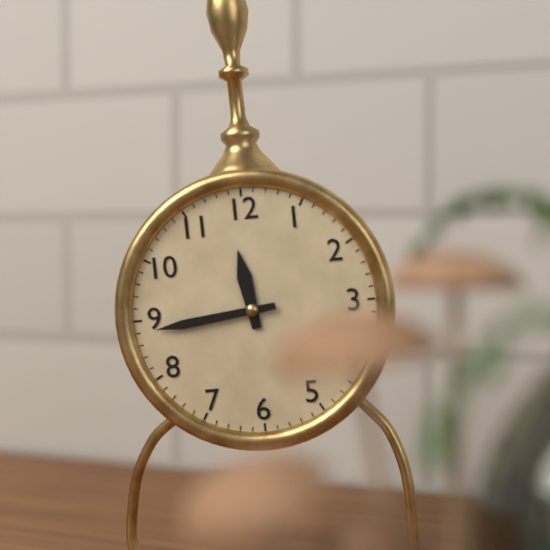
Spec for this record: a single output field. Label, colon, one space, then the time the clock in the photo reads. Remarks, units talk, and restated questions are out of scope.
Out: 11:44
